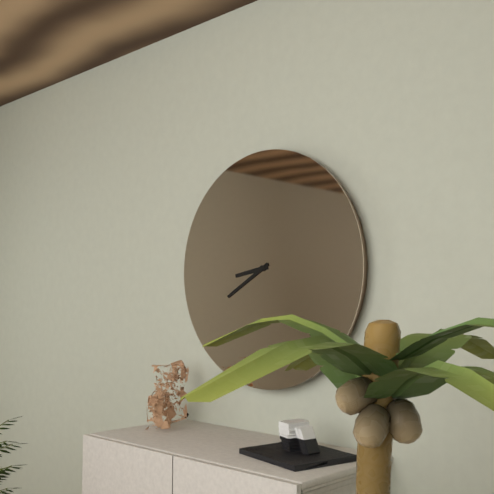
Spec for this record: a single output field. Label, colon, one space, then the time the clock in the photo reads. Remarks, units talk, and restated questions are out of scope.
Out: 8:40
